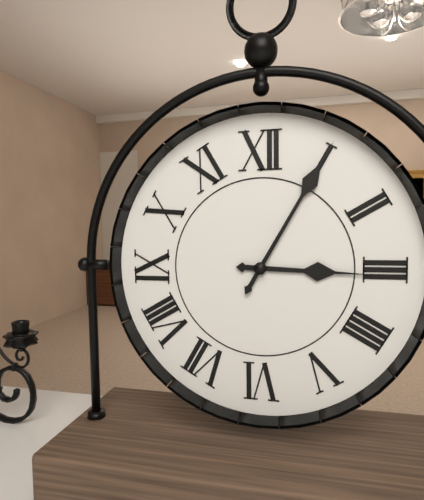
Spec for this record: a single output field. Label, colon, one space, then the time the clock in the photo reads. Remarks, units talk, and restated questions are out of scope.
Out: 3:05
